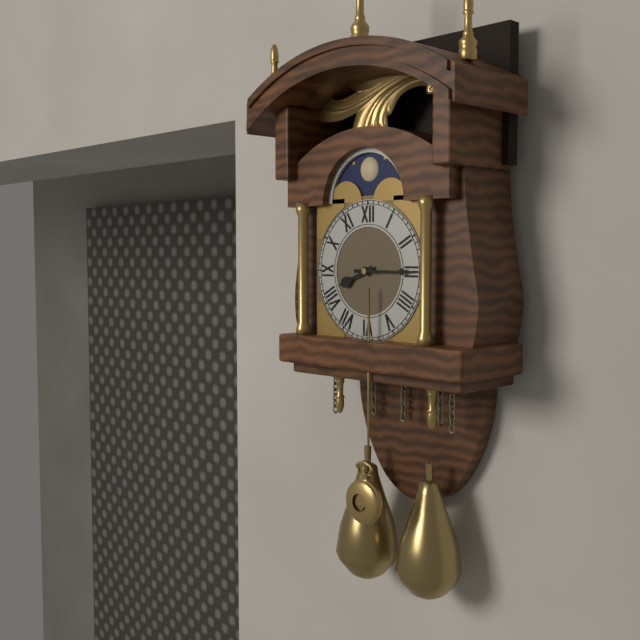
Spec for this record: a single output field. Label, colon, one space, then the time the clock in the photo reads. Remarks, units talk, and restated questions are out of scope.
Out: 8:15
